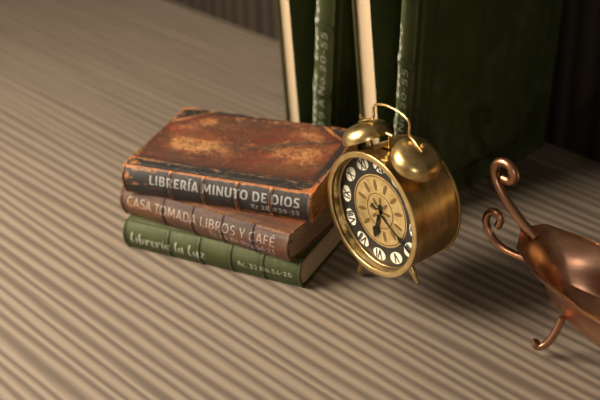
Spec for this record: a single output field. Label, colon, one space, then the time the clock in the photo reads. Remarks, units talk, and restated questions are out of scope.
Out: 6:20
